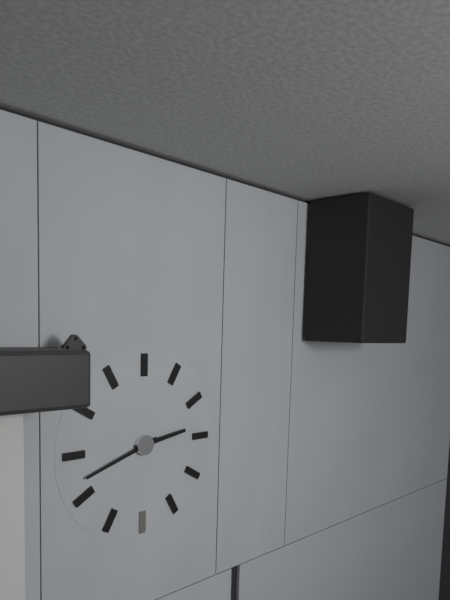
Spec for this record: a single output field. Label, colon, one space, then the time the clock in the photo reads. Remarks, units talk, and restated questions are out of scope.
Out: 2:42
